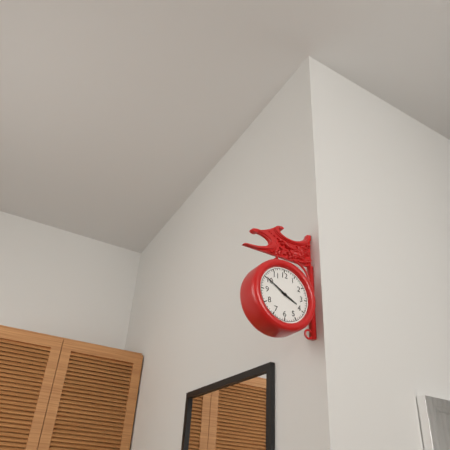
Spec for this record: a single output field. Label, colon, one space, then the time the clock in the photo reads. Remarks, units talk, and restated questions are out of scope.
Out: 3:50
